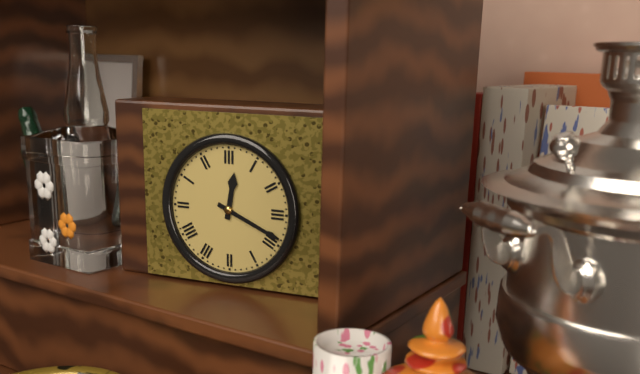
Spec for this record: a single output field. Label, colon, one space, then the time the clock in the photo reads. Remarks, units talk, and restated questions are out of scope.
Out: 12:19
